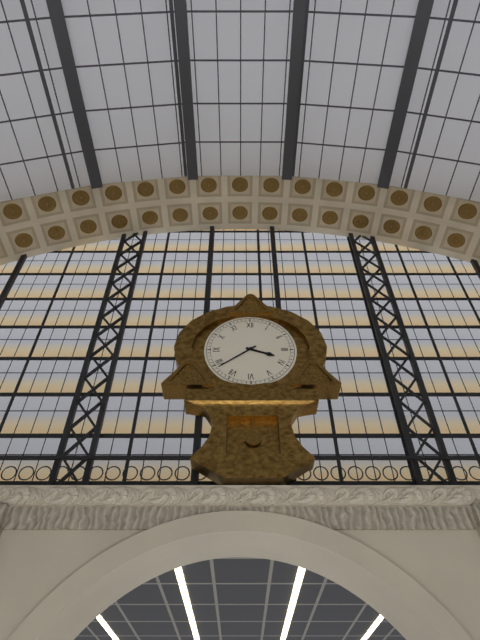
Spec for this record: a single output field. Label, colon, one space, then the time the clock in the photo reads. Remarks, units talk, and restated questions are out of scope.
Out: 3:39
